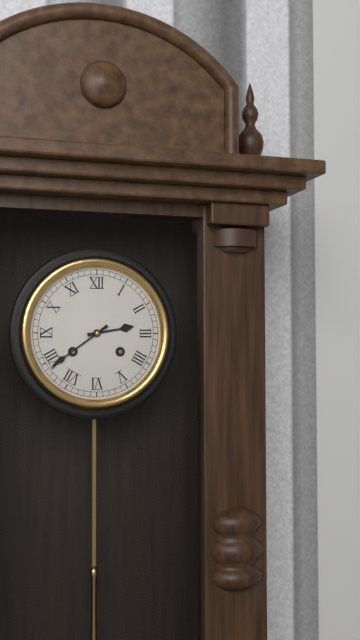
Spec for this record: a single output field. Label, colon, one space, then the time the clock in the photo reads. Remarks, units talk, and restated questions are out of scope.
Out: 2:39
